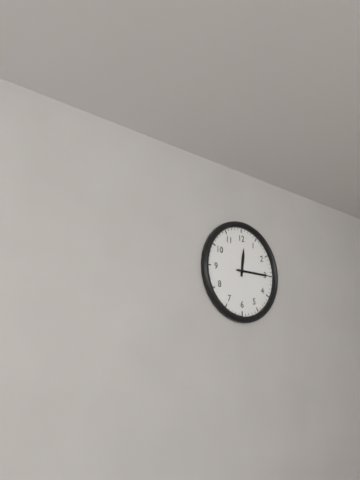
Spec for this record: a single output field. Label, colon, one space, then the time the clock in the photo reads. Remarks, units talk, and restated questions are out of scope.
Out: 12:15
